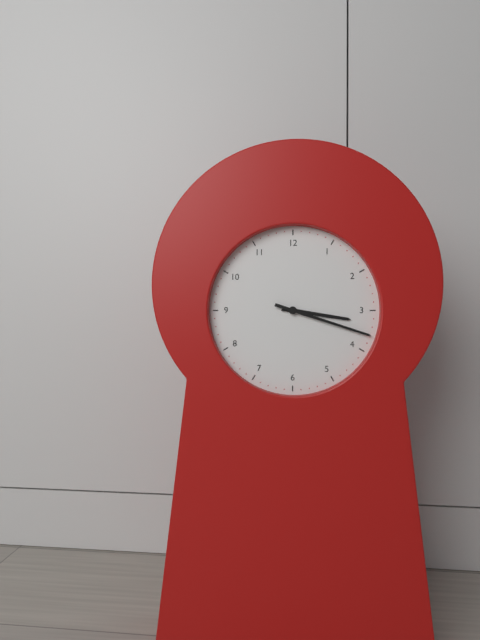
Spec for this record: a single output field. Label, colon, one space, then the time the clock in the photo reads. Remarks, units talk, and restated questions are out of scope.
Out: 3:18
